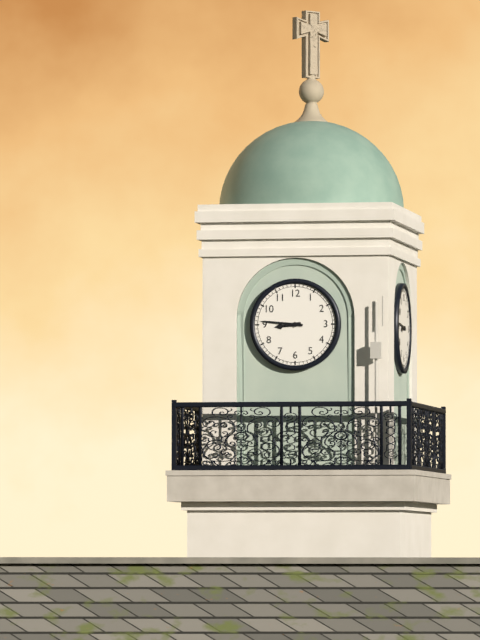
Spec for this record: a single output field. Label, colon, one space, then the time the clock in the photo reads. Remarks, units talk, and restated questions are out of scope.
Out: 8:46
